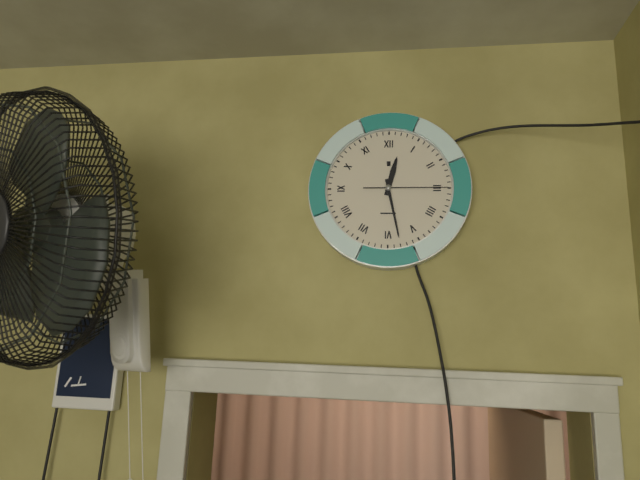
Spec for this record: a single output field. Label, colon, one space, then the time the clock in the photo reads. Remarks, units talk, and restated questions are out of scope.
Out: 12:28:15
